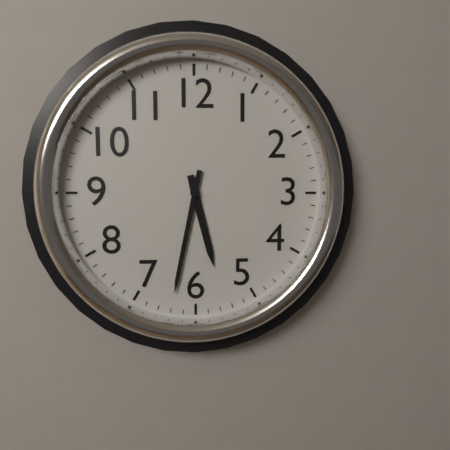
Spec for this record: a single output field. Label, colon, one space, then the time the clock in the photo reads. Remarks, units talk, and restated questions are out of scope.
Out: 5:32
